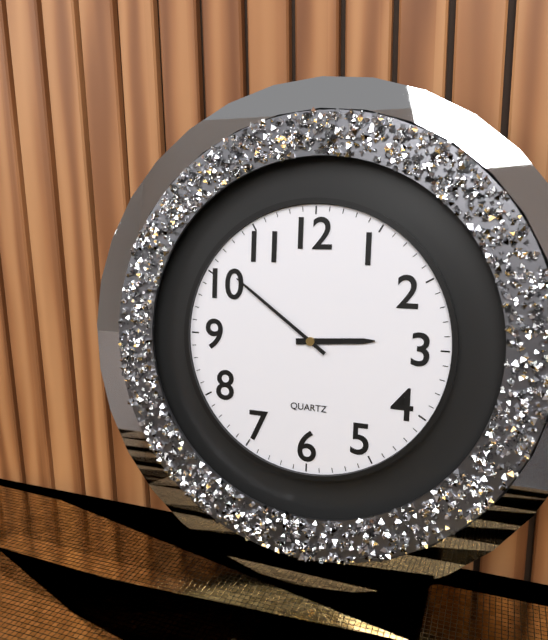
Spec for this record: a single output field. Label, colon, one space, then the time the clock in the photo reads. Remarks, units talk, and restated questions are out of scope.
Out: 2:51
